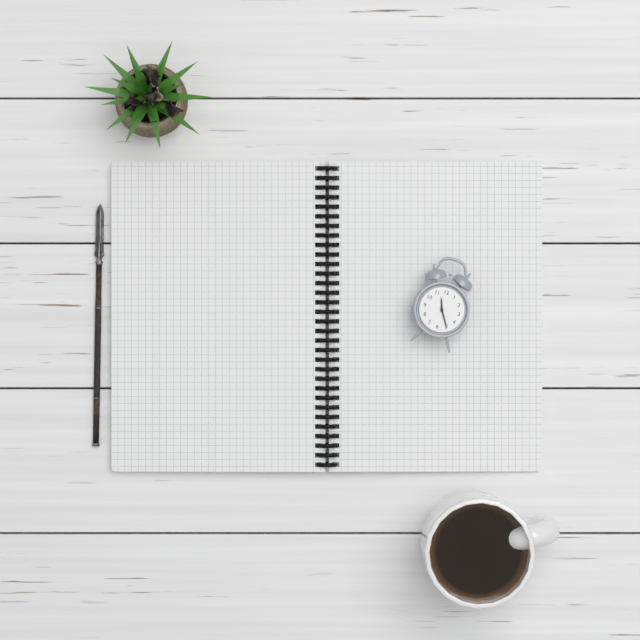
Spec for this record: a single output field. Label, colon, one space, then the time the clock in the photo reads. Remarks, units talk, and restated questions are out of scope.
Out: 11:25
